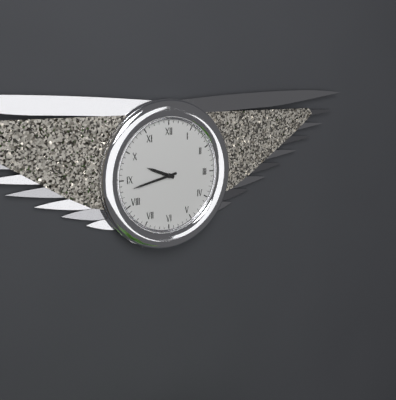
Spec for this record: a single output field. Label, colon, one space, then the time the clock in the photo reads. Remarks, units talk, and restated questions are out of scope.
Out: 9:43
